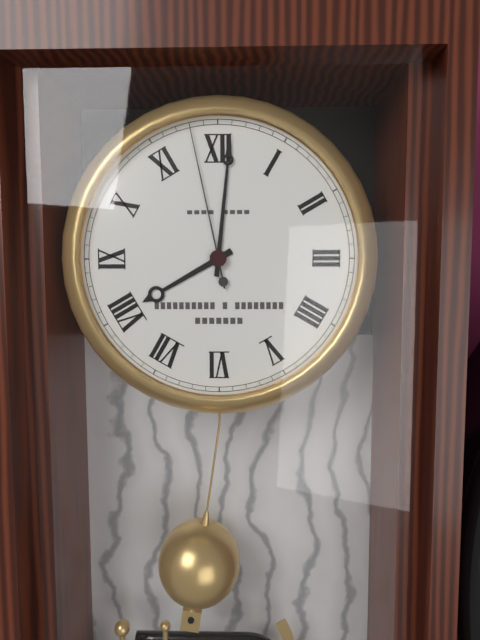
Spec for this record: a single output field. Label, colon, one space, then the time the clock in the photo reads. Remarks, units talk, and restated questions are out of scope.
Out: 8:01:58
